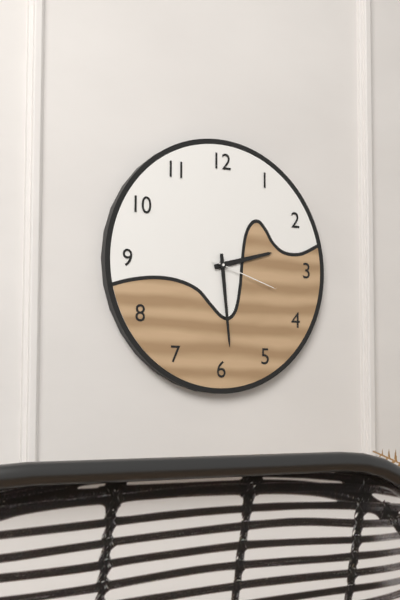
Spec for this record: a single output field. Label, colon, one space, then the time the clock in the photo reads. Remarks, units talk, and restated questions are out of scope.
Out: 2:29:18
